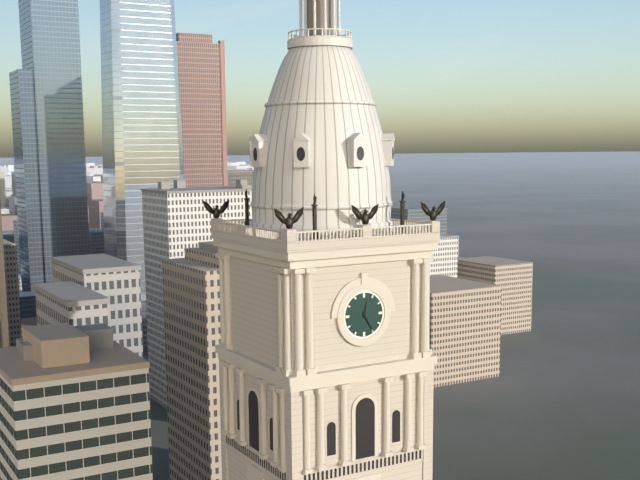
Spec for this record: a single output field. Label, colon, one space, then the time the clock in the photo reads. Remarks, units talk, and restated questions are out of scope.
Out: 12:25
